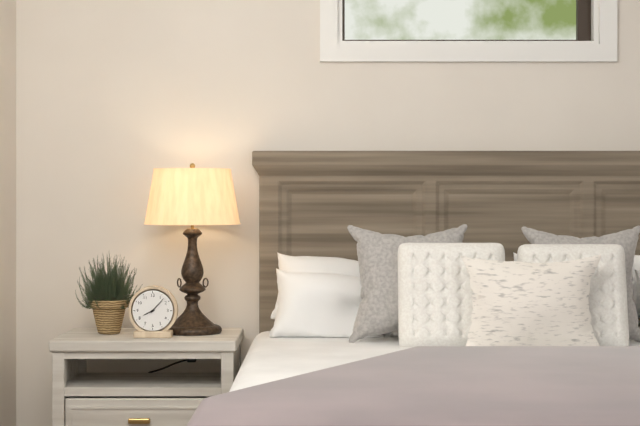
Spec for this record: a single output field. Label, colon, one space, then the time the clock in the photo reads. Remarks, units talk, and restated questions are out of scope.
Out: 8:07
